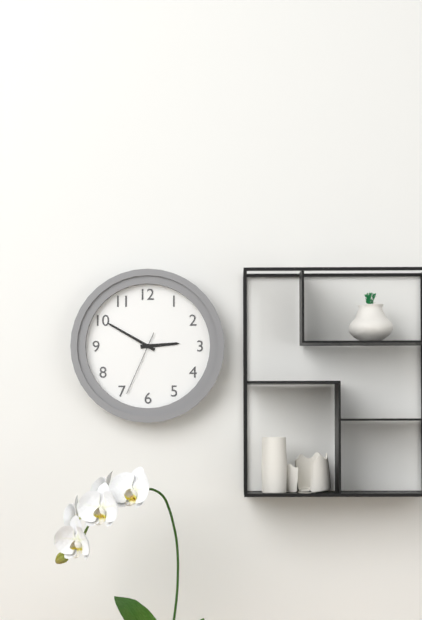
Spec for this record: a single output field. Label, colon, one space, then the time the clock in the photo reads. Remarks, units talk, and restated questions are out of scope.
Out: 2:50:34
